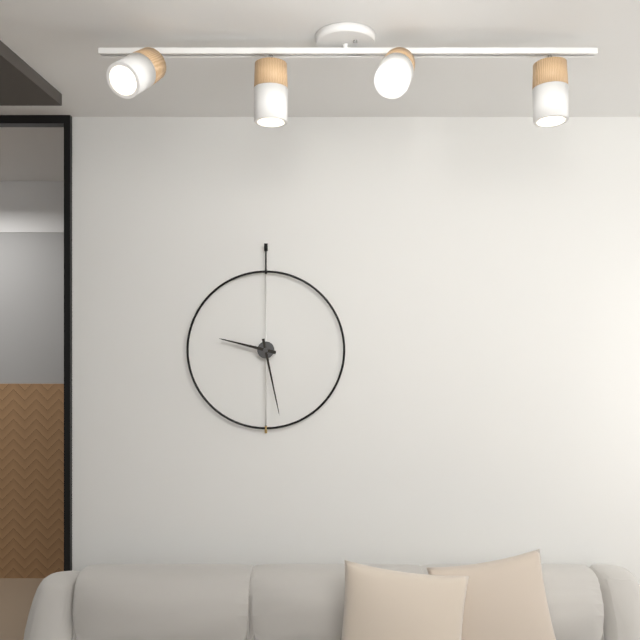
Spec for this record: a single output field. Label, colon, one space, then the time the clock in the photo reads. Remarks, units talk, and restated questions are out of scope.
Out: 9:28
